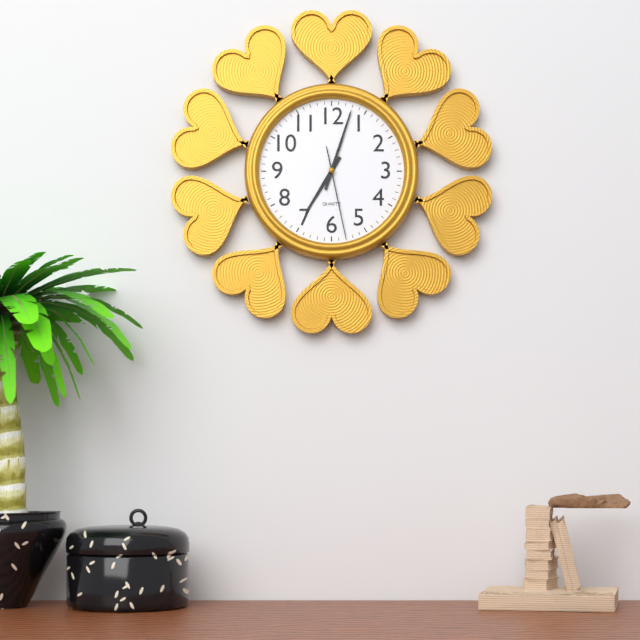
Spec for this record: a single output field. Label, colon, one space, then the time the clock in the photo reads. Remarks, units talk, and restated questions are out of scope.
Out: 7:03:28
